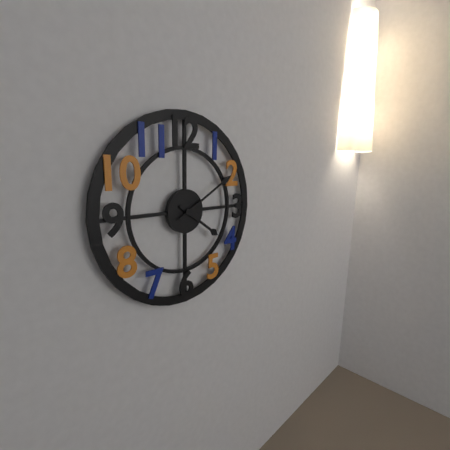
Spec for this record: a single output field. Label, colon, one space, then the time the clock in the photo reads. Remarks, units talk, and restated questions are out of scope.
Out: 4:10
